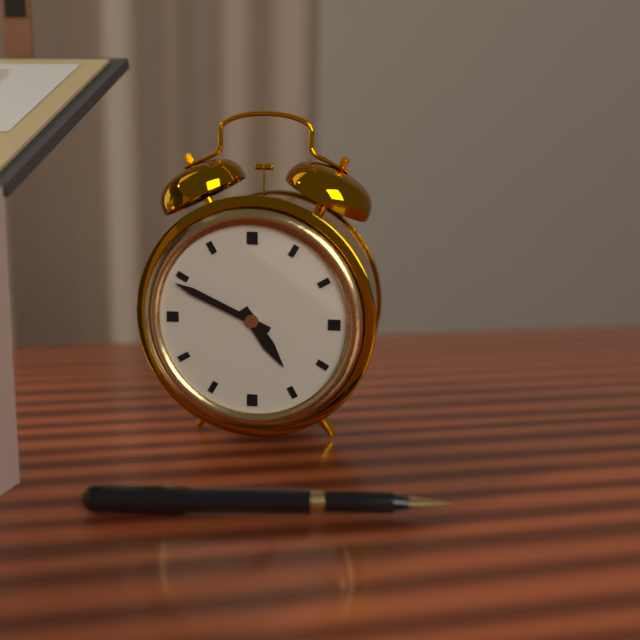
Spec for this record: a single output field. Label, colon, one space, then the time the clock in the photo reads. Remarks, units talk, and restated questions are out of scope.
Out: 4:49
